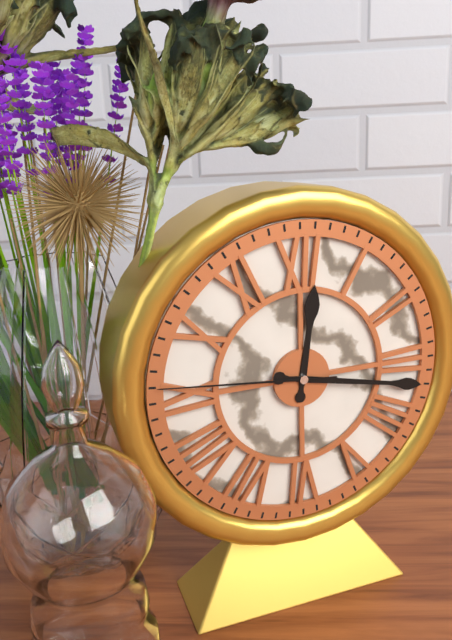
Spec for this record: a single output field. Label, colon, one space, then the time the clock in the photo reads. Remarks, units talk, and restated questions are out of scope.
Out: 12:17:46
